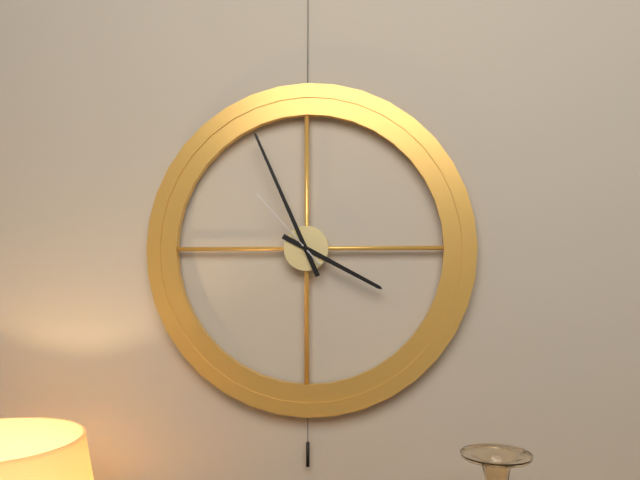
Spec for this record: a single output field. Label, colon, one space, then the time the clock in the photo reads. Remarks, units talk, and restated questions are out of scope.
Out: 3:56:53
